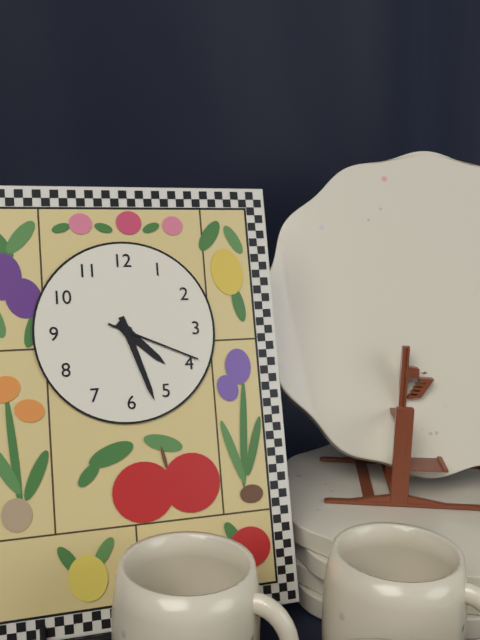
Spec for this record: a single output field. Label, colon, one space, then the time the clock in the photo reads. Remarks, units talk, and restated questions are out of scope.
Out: 4:27:19
